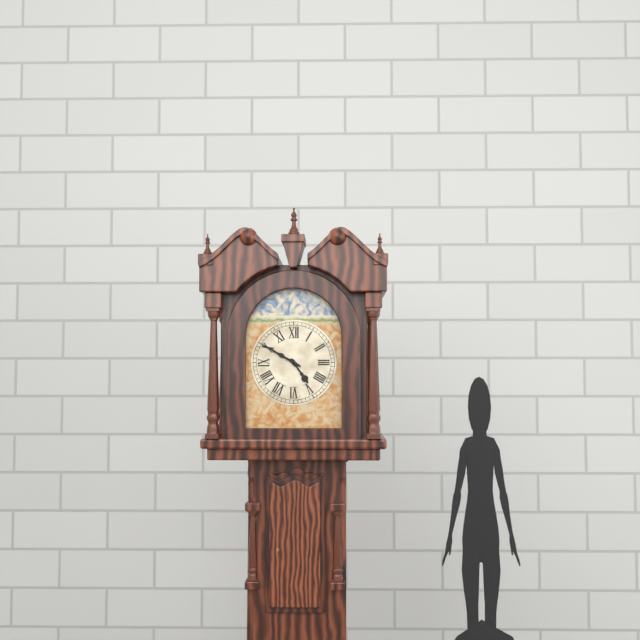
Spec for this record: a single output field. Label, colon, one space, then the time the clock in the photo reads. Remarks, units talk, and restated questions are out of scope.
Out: 4:50
